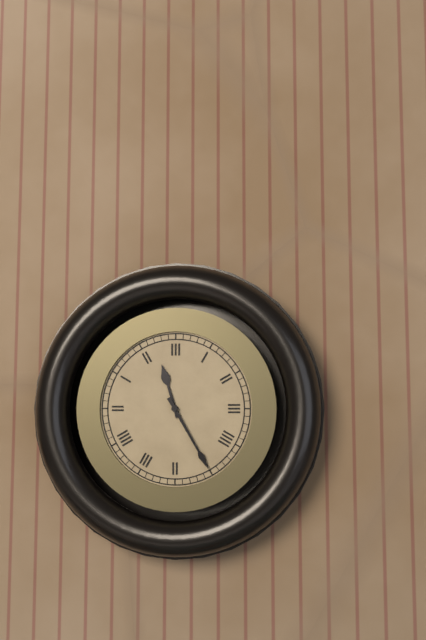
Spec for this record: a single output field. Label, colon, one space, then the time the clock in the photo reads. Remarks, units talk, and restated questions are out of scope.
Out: 11:25
